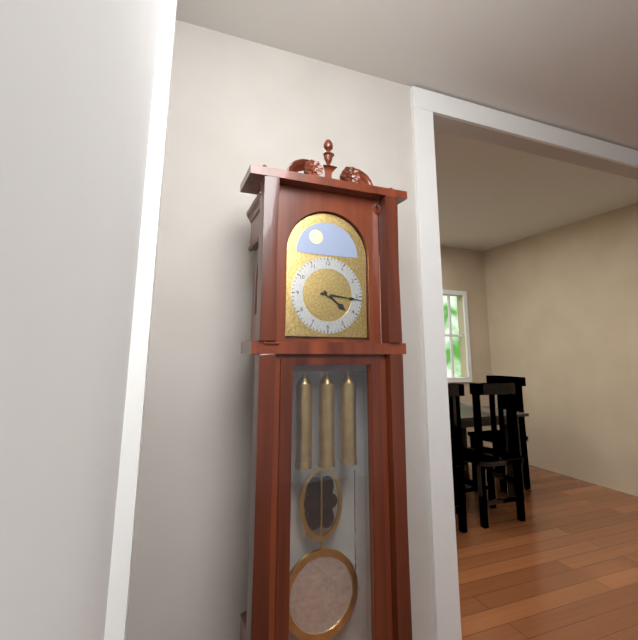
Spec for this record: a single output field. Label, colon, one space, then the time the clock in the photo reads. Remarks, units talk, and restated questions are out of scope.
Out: 4:16
